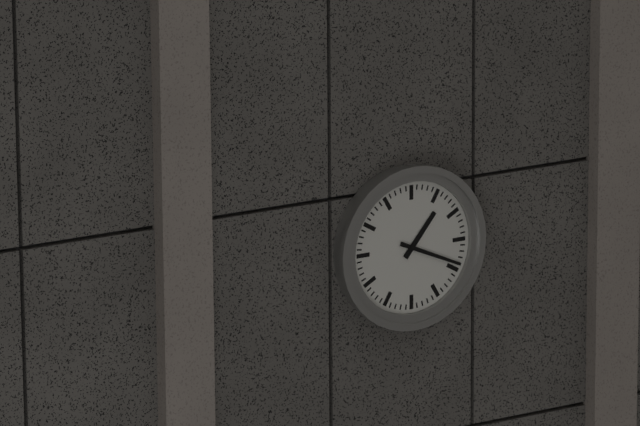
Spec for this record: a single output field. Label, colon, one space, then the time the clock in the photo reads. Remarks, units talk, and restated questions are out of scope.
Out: 1:19
